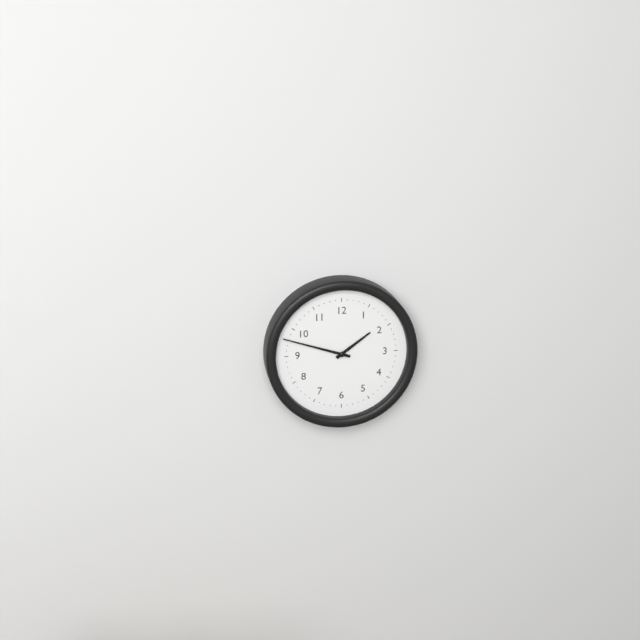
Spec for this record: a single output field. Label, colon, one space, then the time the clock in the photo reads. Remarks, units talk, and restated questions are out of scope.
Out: 1:48
